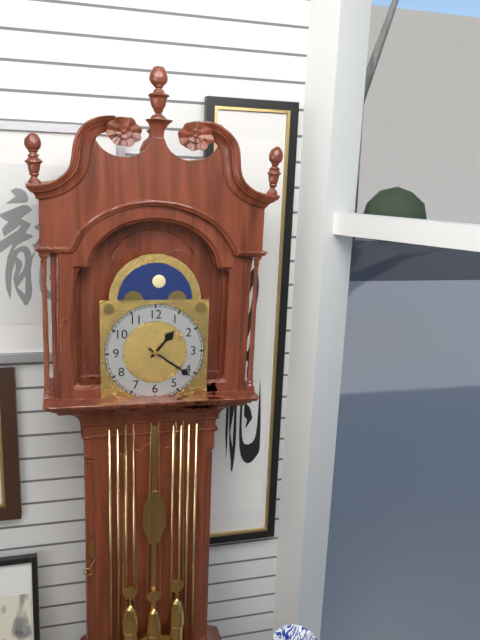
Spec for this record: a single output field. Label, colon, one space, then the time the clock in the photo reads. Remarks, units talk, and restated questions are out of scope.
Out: 1:21
